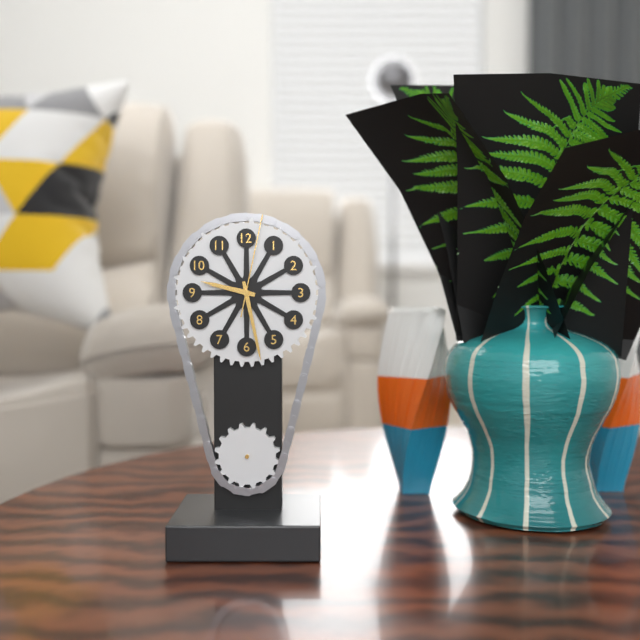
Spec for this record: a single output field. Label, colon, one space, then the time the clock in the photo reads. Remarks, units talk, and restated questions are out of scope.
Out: 9:28:02
